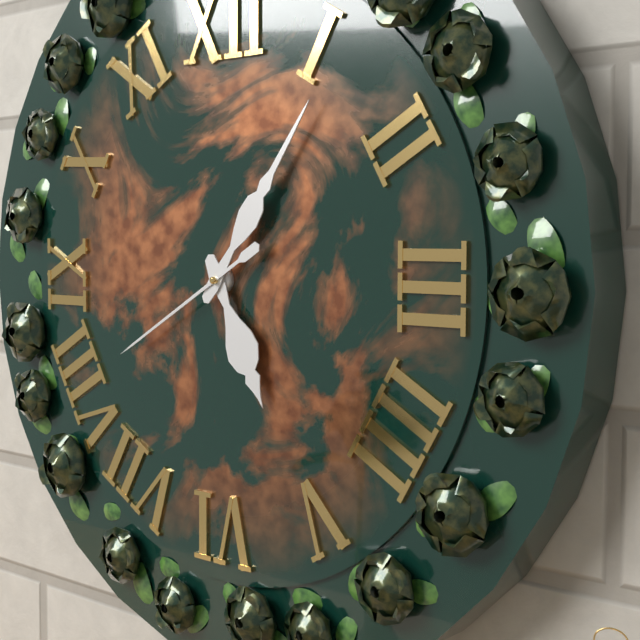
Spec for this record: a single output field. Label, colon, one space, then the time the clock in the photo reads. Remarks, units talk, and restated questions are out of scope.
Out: 5:06:40
